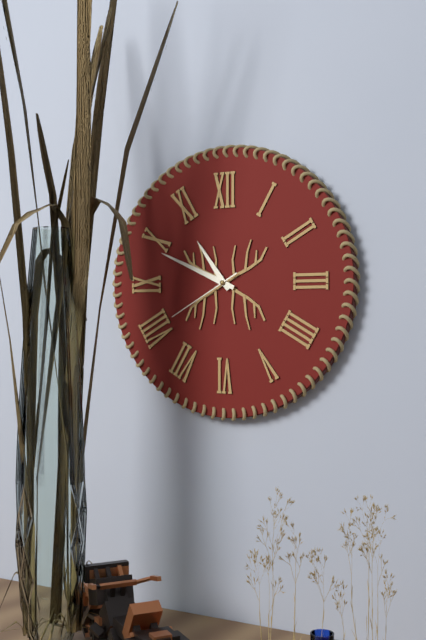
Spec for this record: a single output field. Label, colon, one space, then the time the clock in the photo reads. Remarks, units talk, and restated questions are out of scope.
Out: 10:49:40
